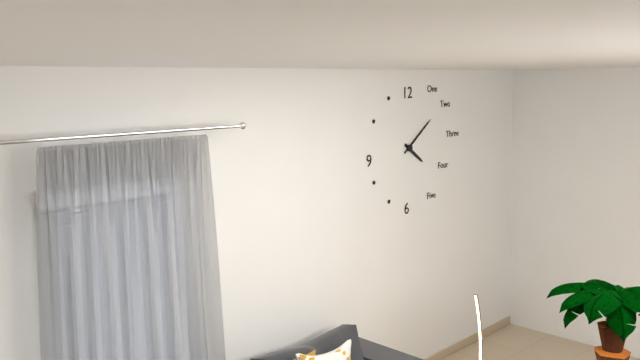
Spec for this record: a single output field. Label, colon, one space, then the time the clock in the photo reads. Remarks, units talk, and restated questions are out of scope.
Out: 4:09
